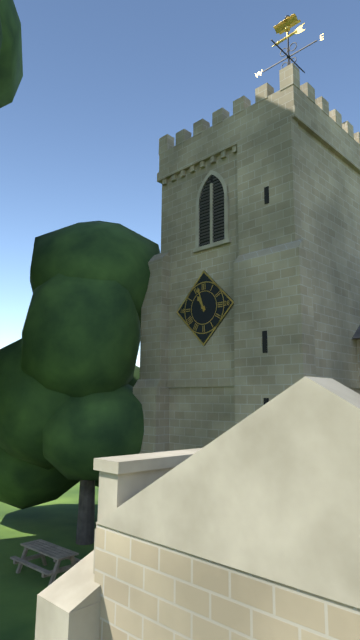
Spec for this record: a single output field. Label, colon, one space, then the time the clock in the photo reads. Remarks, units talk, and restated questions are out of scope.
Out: 10:57
